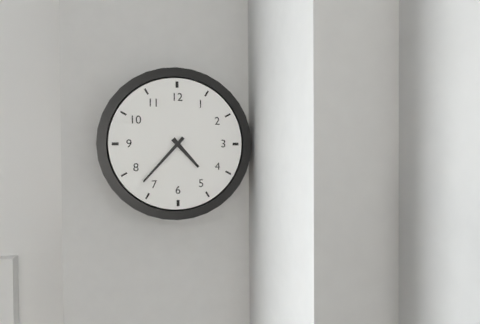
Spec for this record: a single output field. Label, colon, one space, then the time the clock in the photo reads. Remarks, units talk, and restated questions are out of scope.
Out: 4:37
